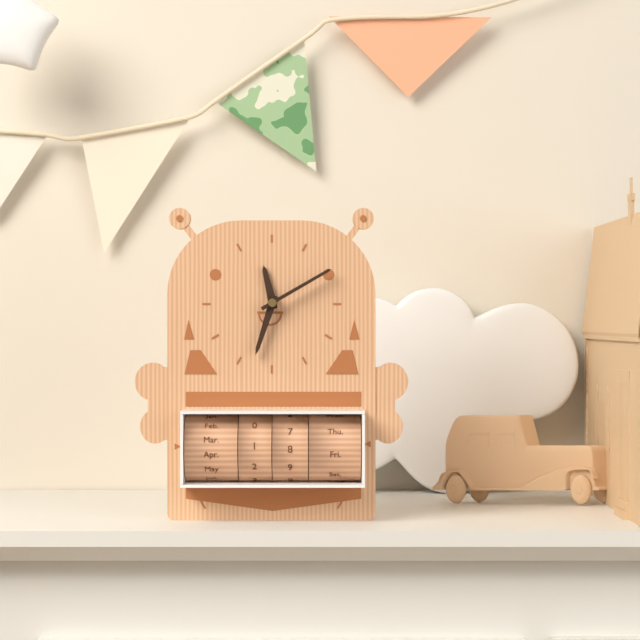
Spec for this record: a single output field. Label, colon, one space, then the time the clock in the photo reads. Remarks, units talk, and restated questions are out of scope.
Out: 11:33:10
